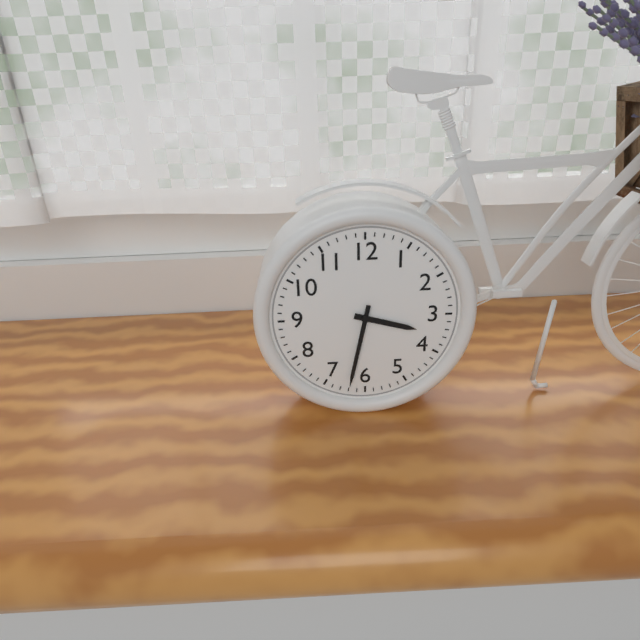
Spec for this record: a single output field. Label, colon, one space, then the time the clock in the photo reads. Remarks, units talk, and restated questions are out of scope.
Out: 3:32
